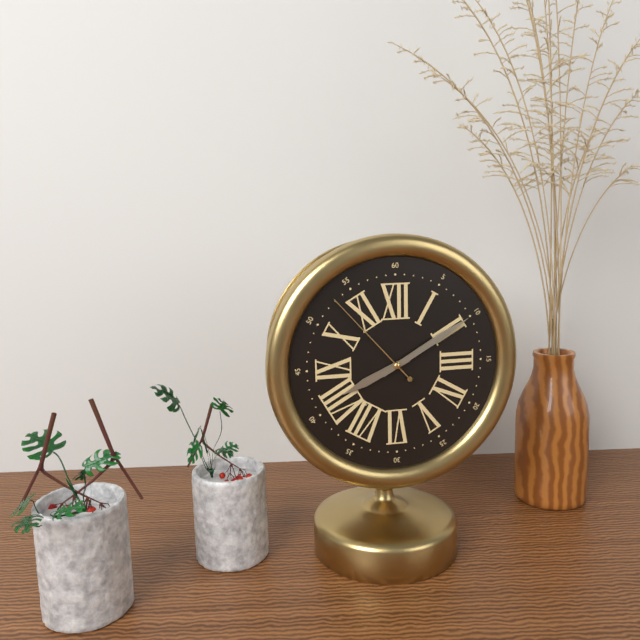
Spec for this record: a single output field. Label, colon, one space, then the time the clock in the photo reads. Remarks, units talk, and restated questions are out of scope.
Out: 8:10:53
